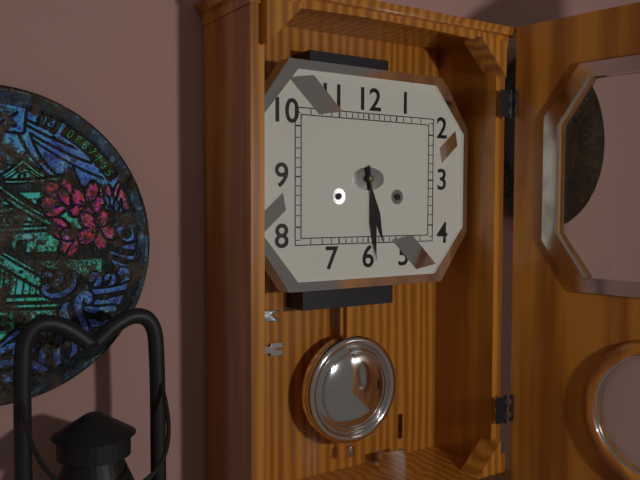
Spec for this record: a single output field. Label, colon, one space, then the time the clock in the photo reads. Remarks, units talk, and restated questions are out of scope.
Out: 5:29
